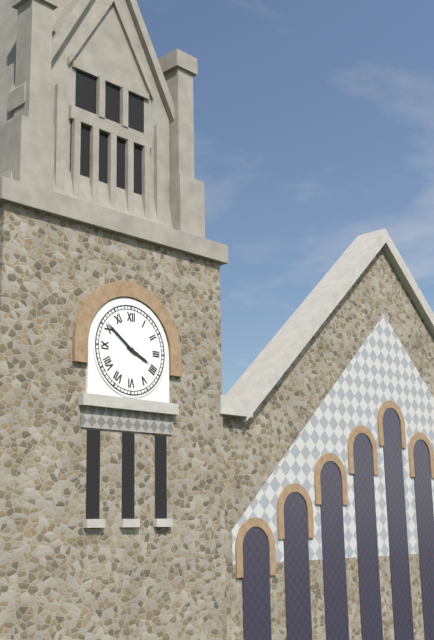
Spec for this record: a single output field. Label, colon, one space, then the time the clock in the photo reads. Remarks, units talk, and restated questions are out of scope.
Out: 3:51
